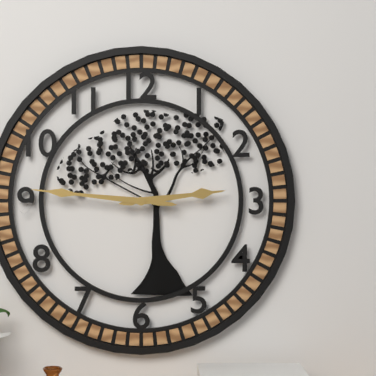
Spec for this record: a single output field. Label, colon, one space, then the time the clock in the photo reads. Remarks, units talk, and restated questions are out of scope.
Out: 2:46
